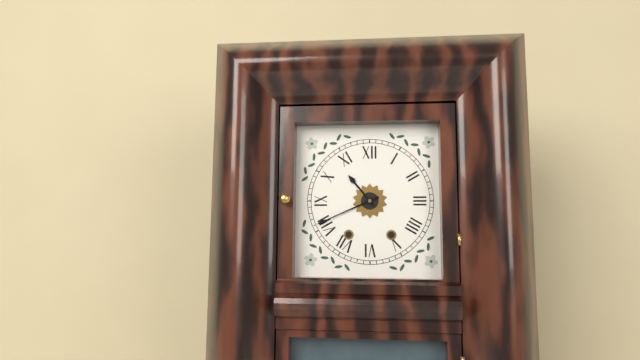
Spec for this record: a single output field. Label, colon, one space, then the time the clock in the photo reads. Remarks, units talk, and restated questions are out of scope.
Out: 10:41
